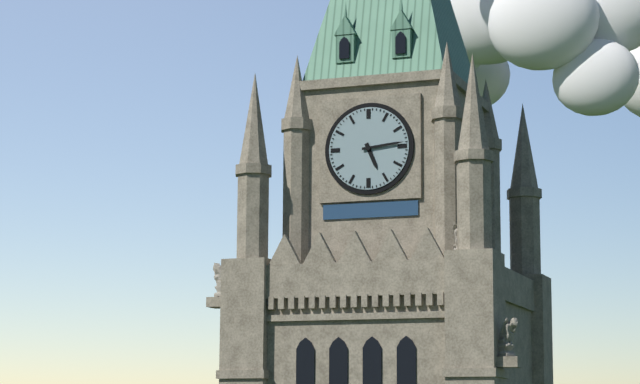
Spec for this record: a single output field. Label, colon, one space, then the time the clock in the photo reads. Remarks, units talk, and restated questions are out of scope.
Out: 5:14
